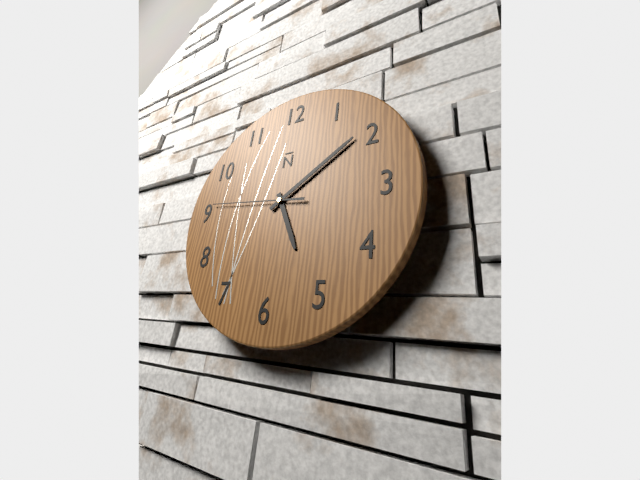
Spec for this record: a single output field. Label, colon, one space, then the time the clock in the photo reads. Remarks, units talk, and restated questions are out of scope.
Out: 5:09:46
